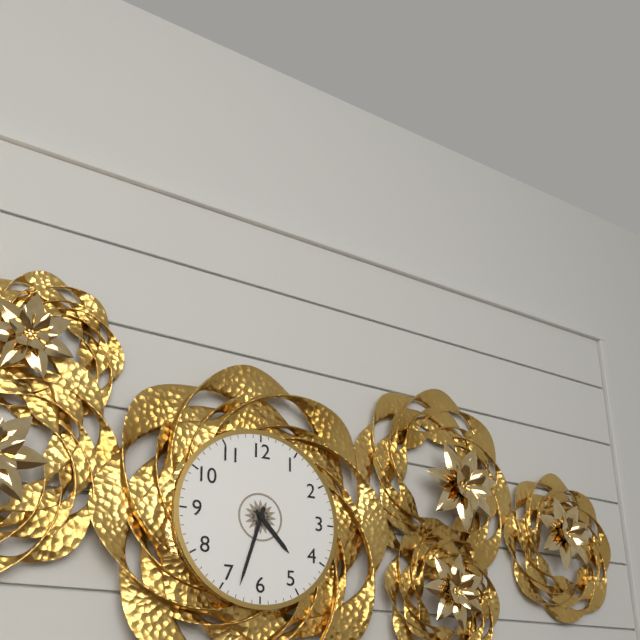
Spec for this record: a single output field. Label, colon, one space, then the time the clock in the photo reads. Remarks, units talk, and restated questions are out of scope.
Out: 4:33
